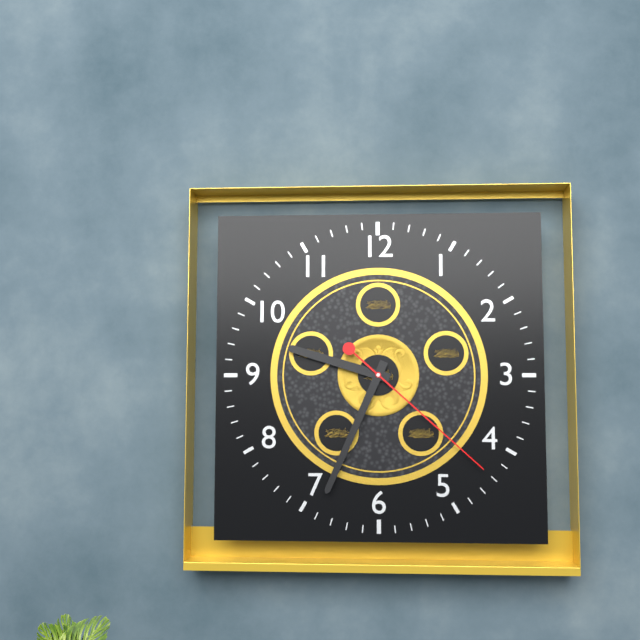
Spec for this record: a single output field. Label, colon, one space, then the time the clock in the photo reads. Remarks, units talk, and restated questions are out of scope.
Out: 9:34:22
